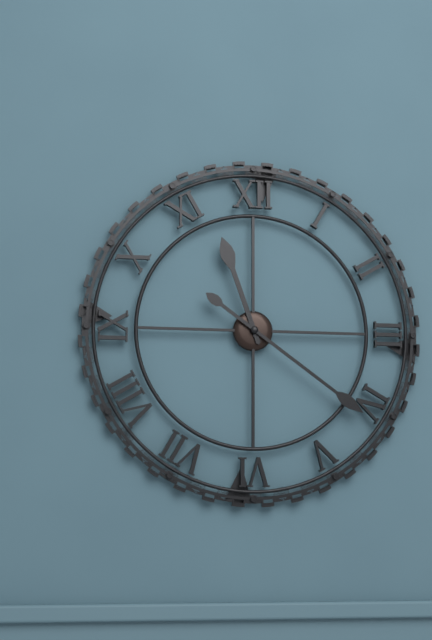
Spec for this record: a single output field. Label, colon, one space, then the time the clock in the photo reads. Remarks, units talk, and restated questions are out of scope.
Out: 11:21
